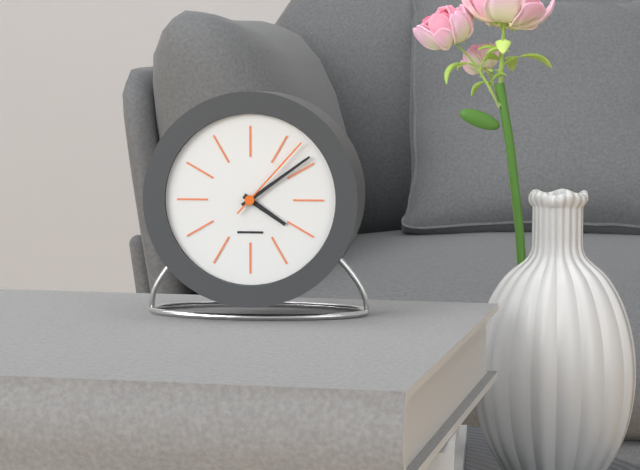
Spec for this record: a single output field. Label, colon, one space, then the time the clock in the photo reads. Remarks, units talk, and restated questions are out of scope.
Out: 4:09:07
